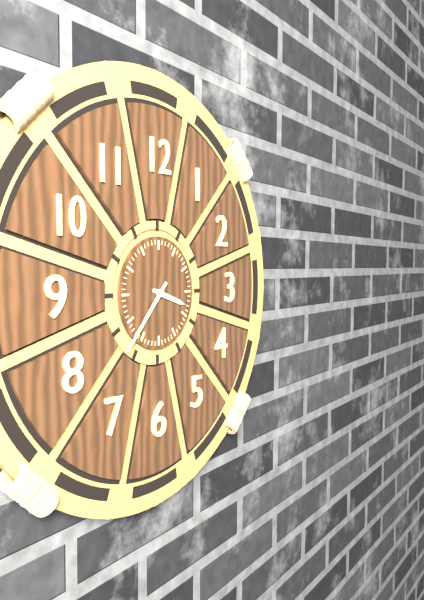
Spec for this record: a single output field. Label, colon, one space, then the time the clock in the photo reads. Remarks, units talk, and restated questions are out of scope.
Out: 3:37
